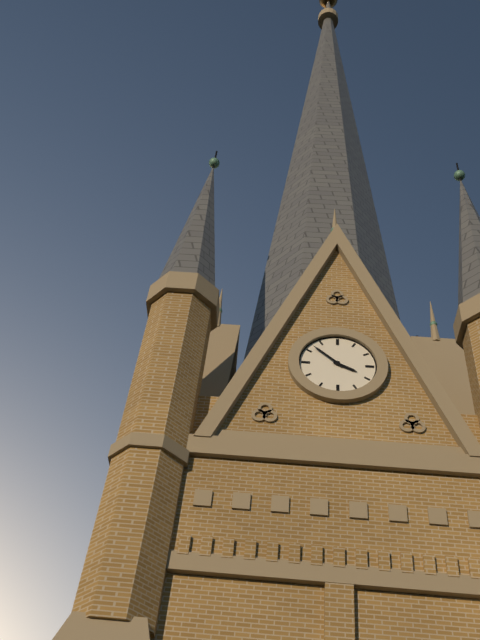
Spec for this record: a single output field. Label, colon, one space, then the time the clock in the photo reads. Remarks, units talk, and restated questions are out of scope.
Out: 3:52
